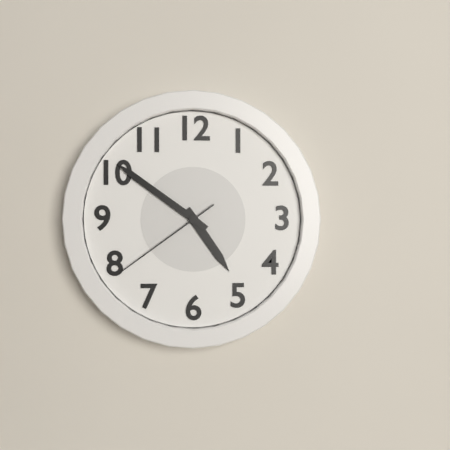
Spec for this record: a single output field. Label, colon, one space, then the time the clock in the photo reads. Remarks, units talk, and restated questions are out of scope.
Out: 4:51:39
